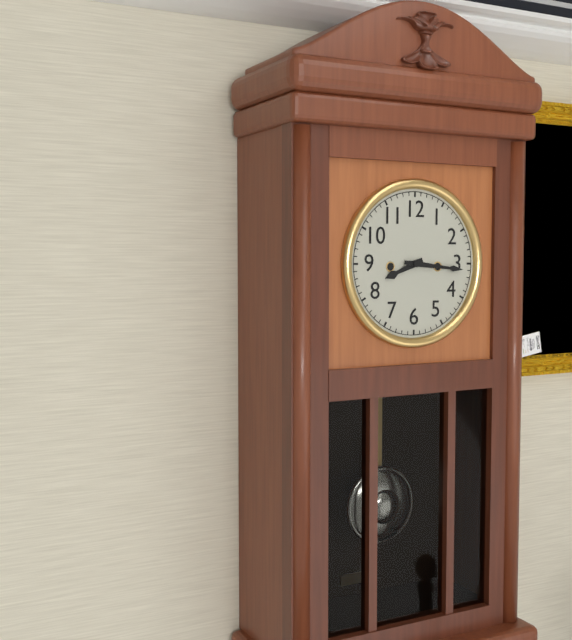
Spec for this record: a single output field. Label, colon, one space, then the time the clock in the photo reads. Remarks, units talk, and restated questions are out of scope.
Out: 8:16
